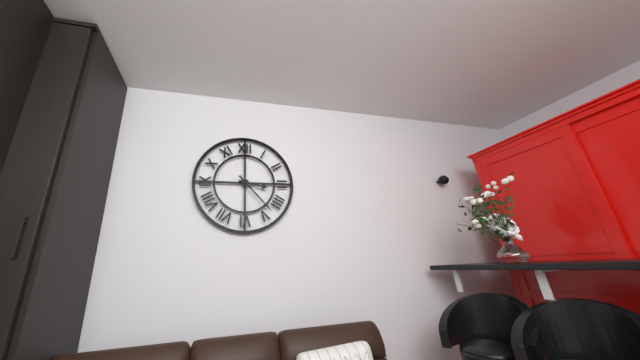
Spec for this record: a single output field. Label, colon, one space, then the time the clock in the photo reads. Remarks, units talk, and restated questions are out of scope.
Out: 3:23
